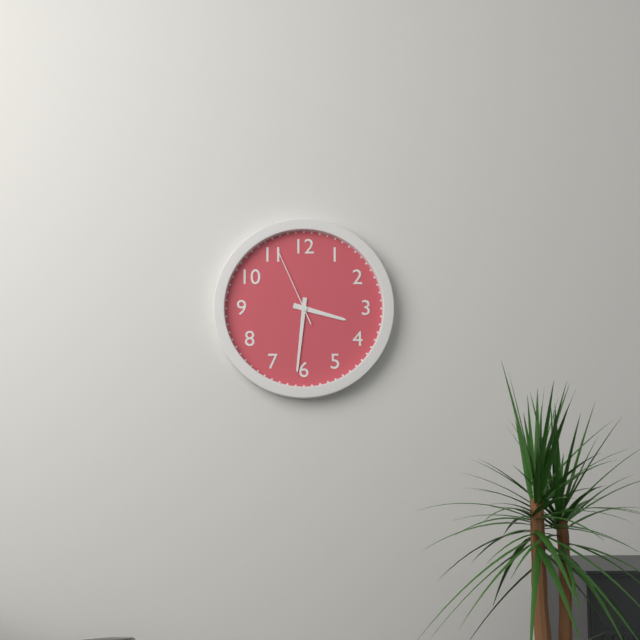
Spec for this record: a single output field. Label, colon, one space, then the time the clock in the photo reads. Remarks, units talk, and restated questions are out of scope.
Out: 3:31:56
